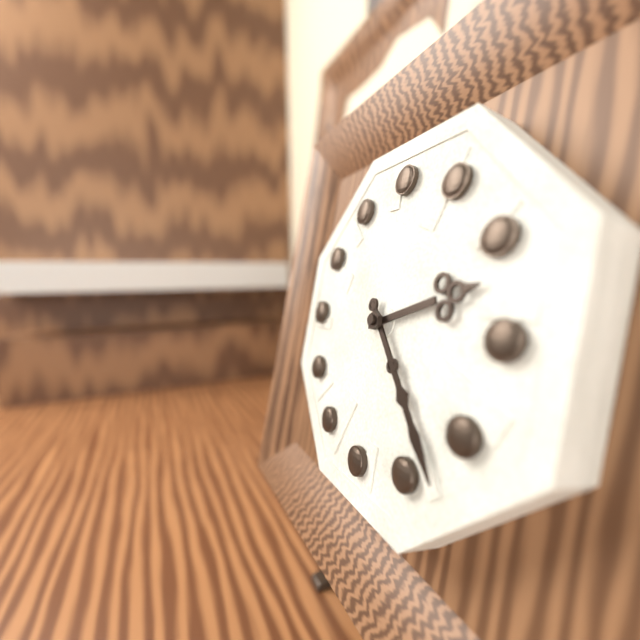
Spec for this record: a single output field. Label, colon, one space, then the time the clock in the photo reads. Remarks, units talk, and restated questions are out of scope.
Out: 2:23
